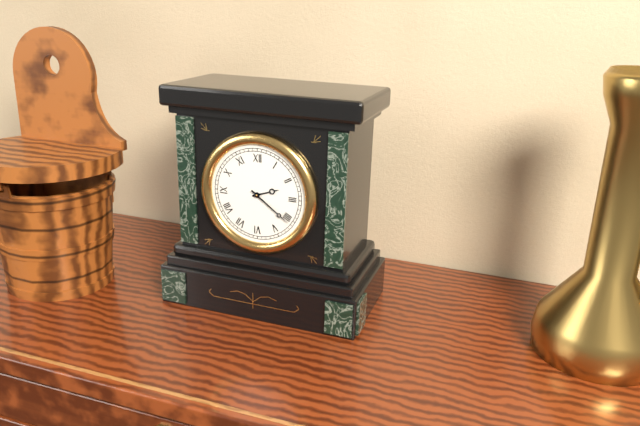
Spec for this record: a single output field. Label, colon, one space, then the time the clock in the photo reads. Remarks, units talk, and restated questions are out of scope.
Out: 2:21
